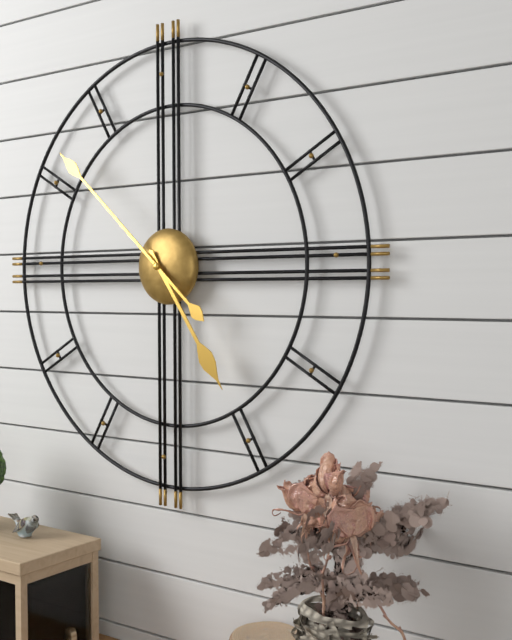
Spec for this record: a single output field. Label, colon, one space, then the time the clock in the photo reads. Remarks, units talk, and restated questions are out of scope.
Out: 4:52
